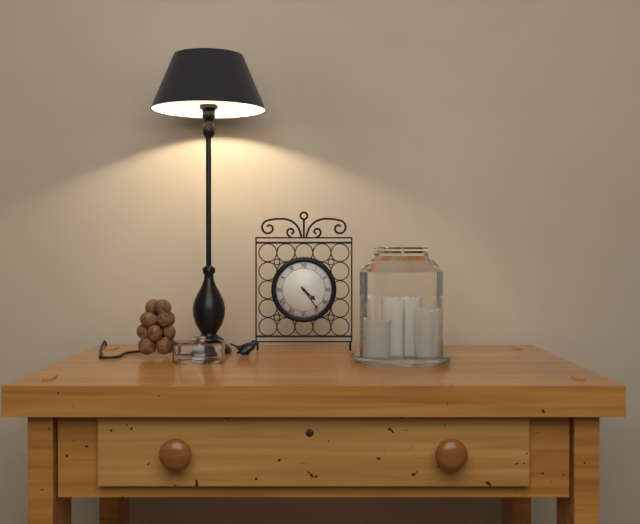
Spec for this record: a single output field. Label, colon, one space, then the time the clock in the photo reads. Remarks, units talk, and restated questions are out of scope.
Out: 4:24
